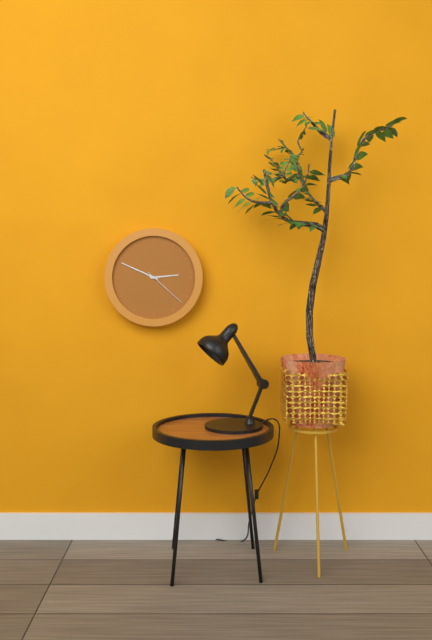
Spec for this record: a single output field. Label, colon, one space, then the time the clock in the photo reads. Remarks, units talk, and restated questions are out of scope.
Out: 2:49
